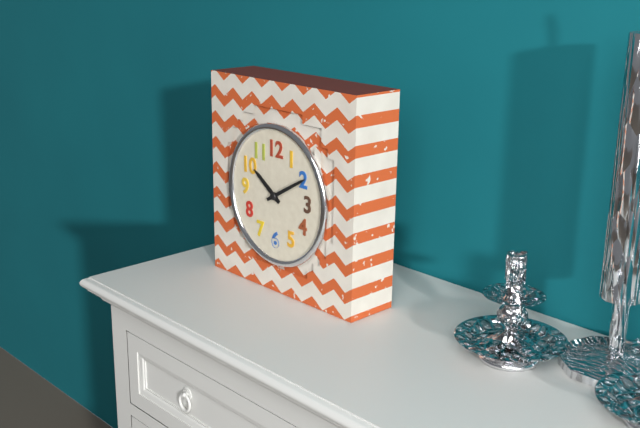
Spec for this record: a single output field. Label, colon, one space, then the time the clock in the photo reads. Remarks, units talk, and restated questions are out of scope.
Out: 10:10
